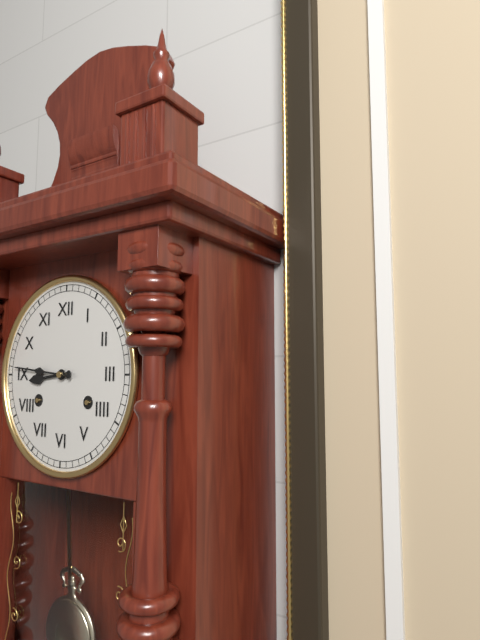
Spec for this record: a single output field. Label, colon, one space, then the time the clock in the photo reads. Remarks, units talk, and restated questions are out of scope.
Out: 8:46
